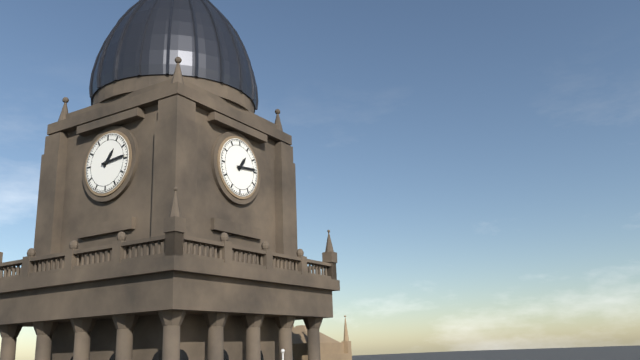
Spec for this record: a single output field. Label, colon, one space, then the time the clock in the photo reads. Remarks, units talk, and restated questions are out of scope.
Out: 1:14
